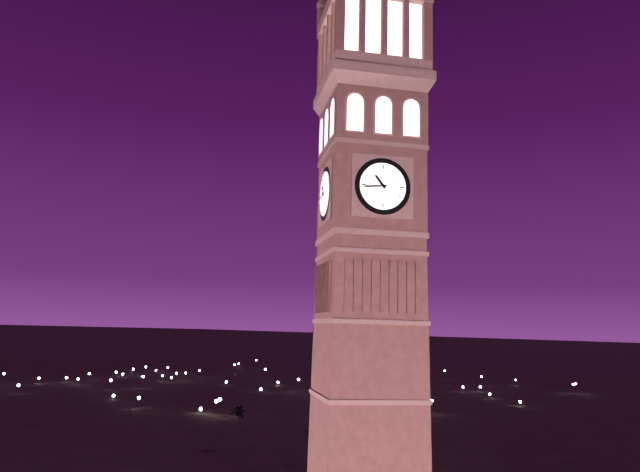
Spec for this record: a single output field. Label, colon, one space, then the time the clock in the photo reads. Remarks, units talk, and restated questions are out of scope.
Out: 10:44
